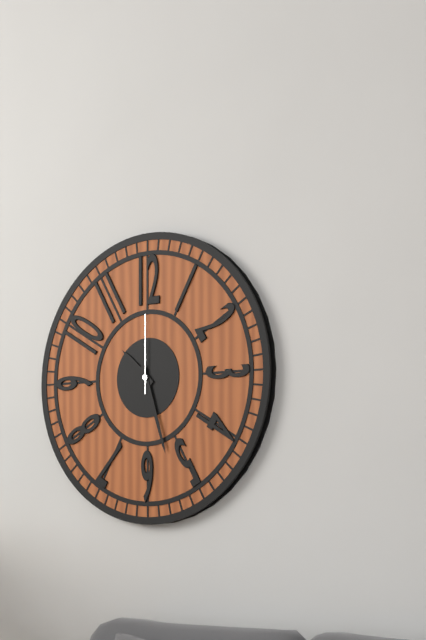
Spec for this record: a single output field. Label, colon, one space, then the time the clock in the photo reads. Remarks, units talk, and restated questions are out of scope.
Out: 10:27:00
